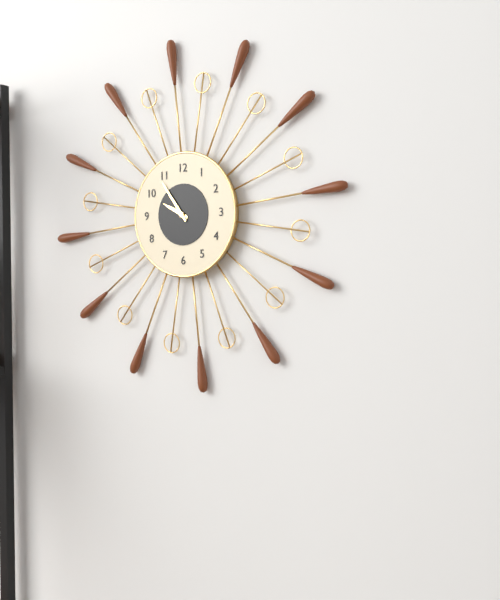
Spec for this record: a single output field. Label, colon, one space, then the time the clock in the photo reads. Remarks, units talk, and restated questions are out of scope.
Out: 9:54
